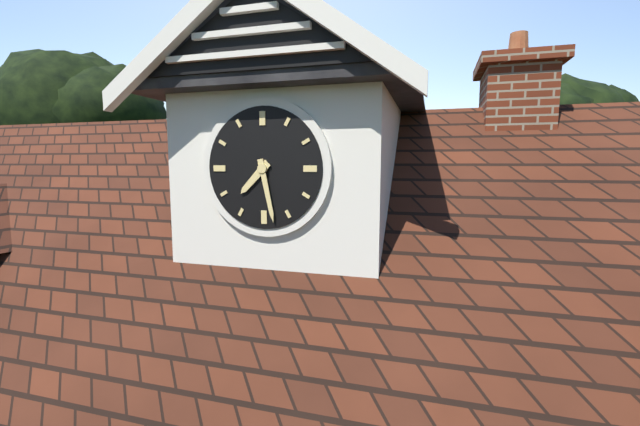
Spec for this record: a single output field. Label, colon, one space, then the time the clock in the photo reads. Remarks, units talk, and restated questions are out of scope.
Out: 7:28
